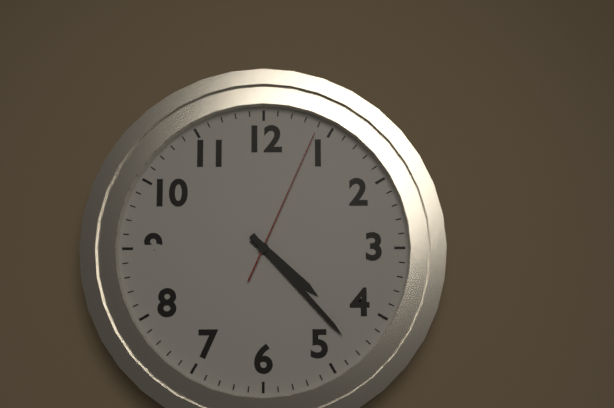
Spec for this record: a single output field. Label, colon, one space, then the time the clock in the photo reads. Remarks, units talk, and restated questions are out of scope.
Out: 4:23:04
